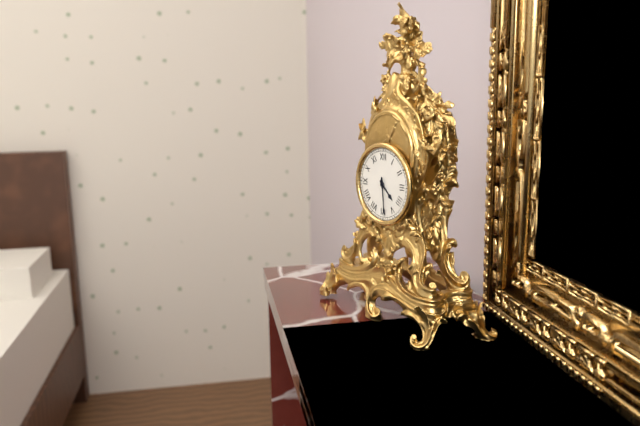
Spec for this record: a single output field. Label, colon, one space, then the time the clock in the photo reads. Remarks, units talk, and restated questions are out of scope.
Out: 4:29
